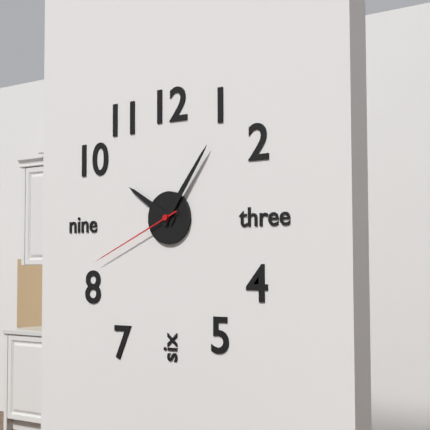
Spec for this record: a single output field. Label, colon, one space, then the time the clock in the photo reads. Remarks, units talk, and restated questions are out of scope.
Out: 10:06:41
